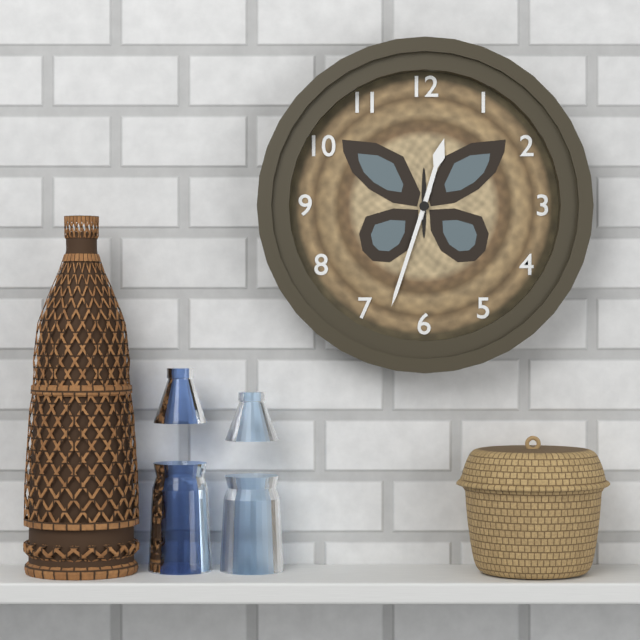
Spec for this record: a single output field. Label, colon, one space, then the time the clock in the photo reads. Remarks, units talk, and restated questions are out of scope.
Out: 12:33
